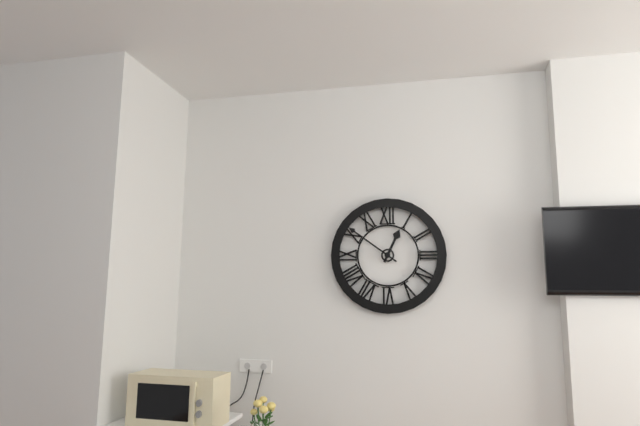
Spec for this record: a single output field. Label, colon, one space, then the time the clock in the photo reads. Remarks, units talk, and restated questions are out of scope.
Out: 12:51
